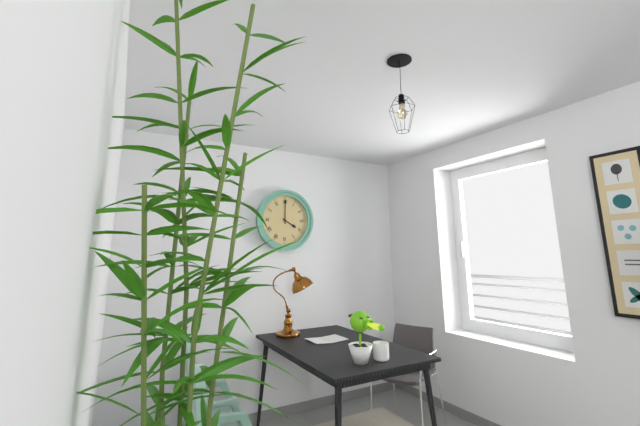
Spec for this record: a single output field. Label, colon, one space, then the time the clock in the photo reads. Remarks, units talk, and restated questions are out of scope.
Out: 4:00
